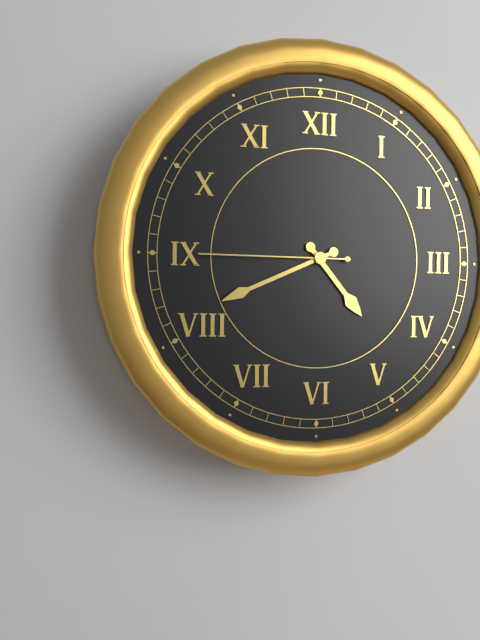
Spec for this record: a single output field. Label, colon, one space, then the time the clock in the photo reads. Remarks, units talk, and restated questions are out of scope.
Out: 4:41:45
